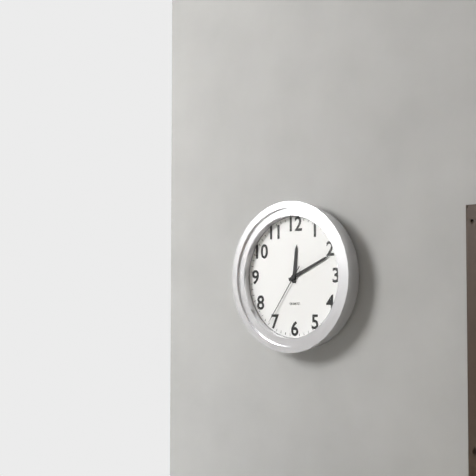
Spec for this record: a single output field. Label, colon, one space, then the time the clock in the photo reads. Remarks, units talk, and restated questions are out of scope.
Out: 12:11:36
